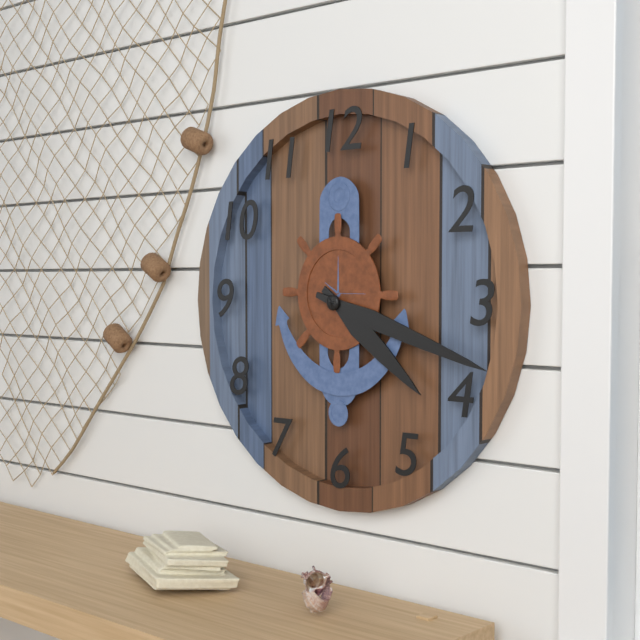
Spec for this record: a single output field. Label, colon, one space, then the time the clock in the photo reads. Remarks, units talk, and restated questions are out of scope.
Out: 4:18
